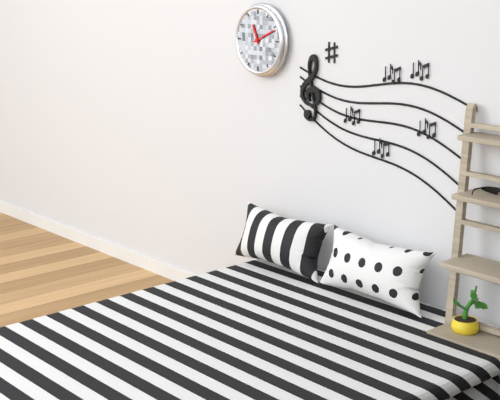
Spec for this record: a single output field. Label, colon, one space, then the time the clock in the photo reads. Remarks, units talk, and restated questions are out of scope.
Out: 11:11
